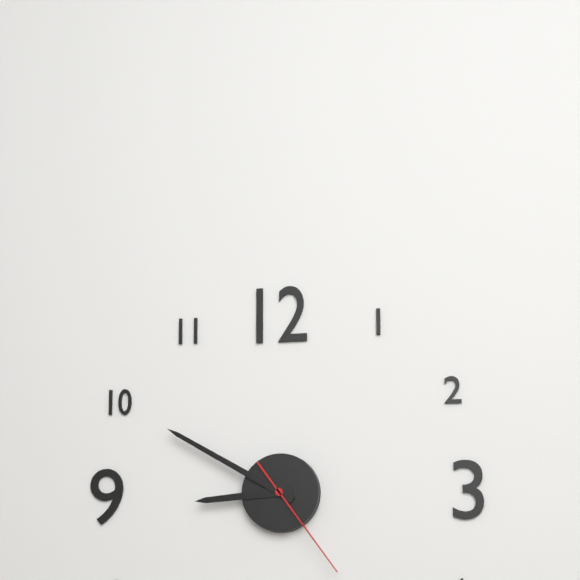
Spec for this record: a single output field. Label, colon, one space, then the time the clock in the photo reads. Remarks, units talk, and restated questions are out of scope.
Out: 8:50:24
